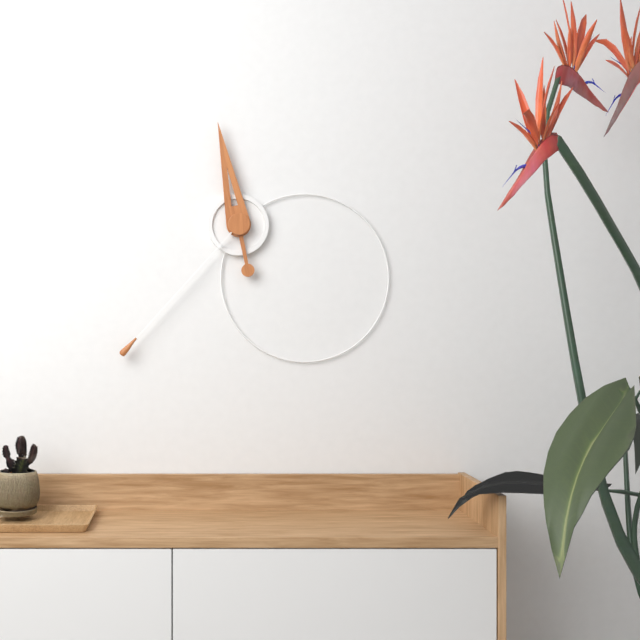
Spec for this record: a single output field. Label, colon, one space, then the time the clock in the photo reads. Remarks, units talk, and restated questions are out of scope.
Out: 11:37
